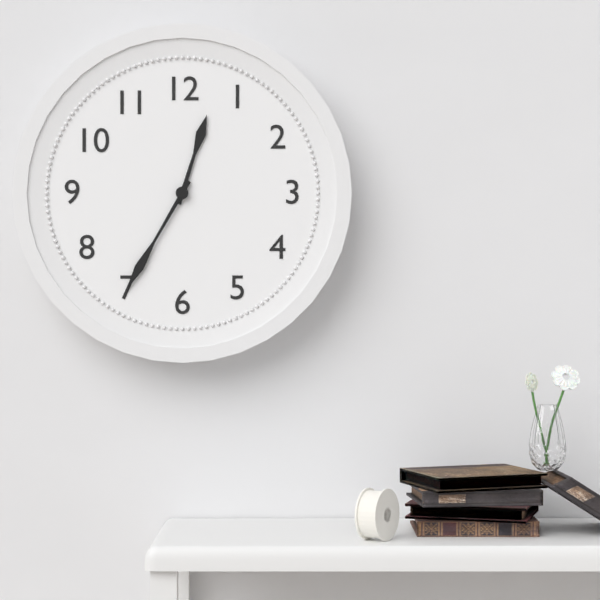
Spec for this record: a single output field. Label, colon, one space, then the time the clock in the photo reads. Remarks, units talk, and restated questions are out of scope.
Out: 12:35
